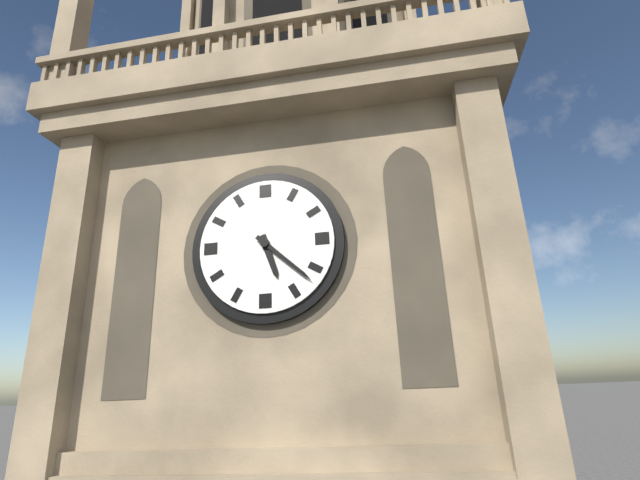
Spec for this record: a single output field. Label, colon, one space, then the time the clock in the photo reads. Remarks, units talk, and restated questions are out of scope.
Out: 5:22
